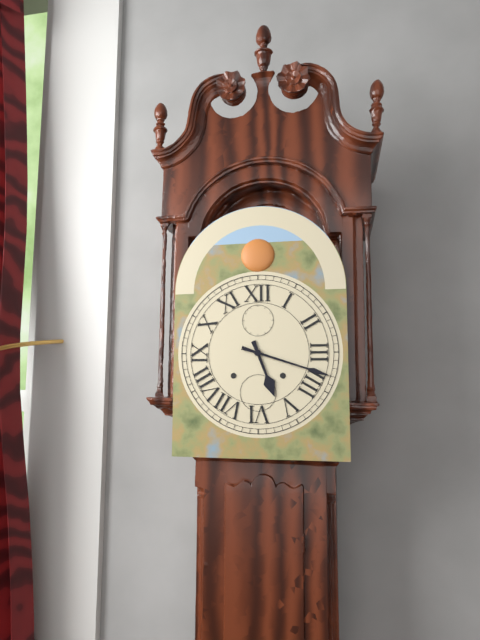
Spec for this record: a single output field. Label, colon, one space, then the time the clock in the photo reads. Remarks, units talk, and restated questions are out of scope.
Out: 5:18
